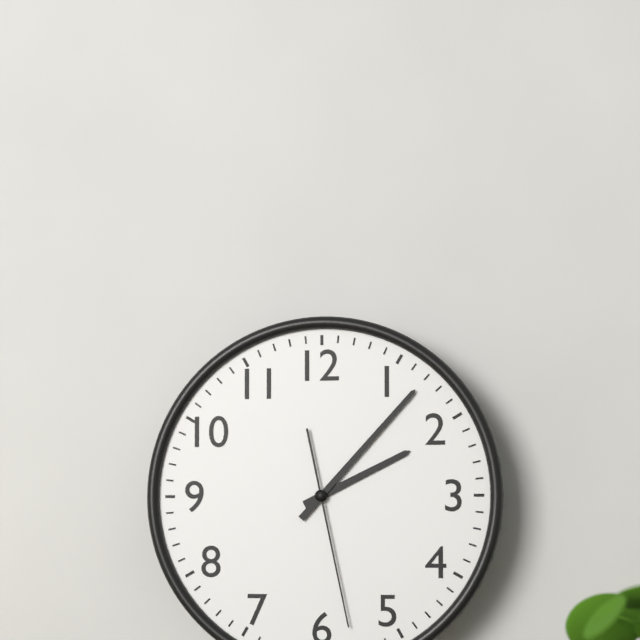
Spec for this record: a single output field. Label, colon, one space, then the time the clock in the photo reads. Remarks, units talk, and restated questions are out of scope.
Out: 2:07:28
